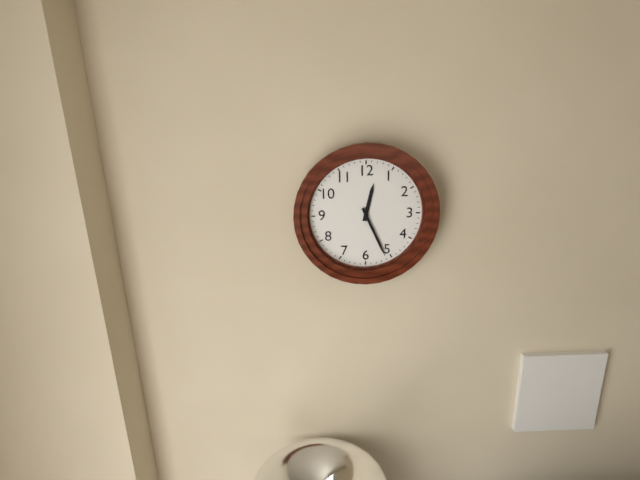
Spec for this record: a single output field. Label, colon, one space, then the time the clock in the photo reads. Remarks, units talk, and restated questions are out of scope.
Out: 12:26
